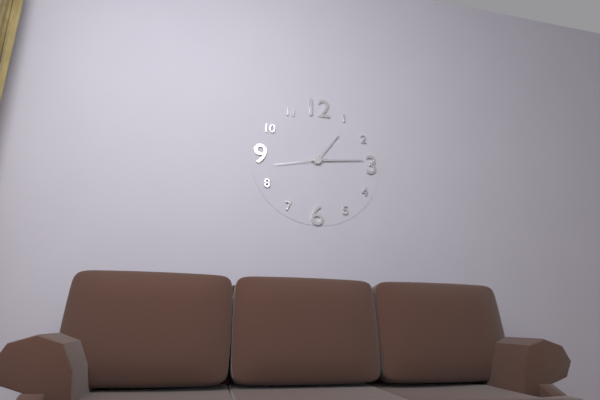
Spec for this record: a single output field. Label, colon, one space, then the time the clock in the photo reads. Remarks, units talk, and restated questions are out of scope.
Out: 1:14:43
